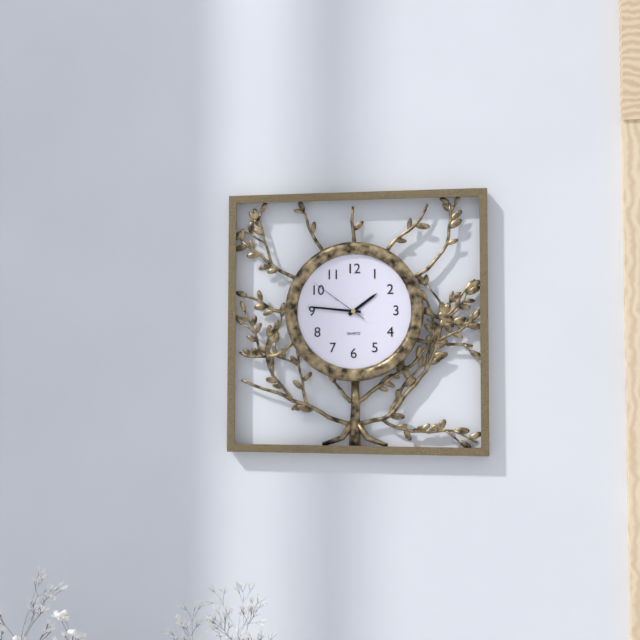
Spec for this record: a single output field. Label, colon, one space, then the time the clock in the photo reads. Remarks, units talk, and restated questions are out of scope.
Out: 1:46:51
